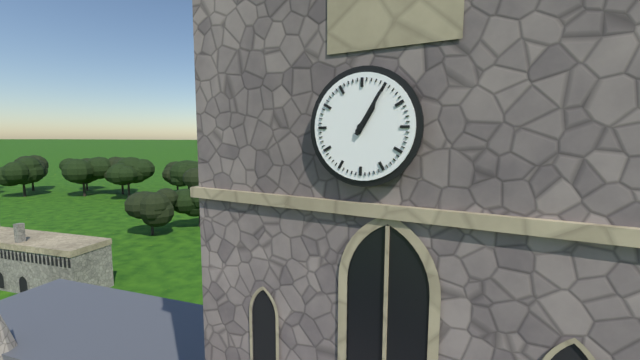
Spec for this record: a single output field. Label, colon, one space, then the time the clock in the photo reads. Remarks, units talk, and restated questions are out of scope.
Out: 1:05
